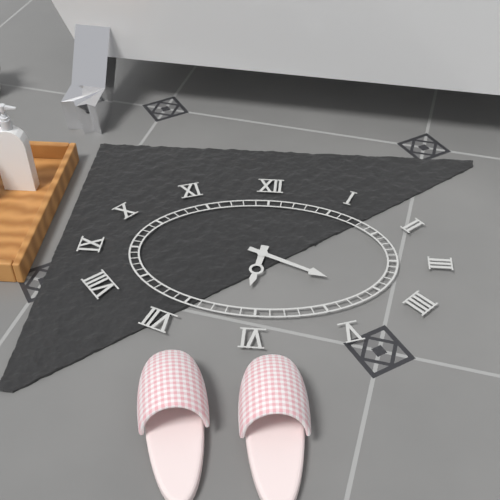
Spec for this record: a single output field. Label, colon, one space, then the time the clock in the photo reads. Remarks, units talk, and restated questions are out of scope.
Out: 6:19
